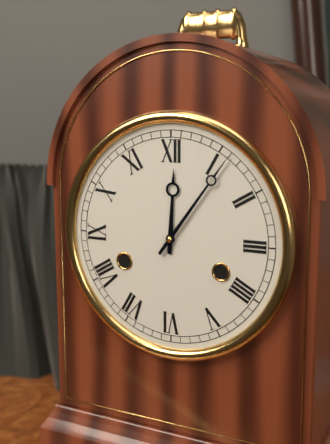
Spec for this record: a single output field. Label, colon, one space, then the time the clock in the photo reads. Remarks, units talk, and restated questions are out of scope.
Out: 12:06
